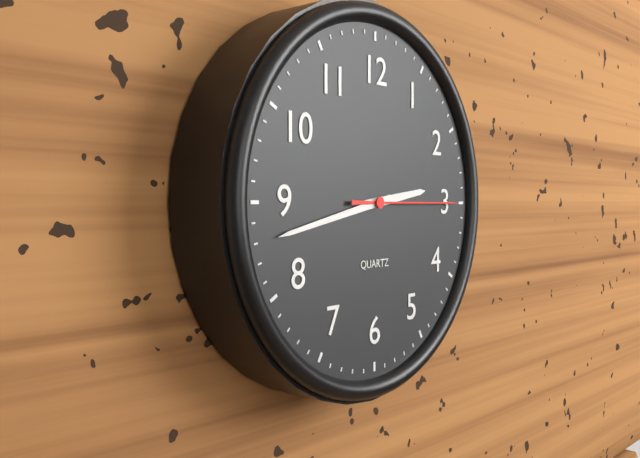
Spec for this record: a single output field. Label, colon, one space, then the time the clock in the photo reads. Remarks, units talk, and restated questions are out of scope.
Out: 2:43:15
